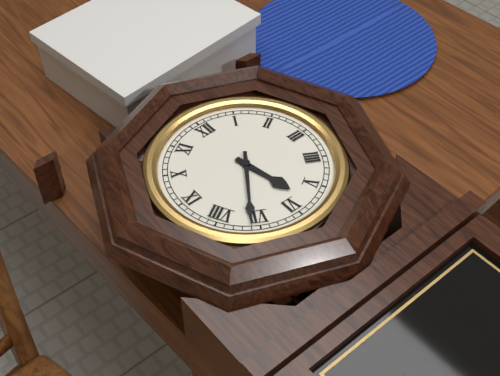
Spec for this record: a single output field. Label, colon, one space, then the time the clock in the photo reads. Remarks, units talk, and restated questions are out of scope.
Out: 5:36
